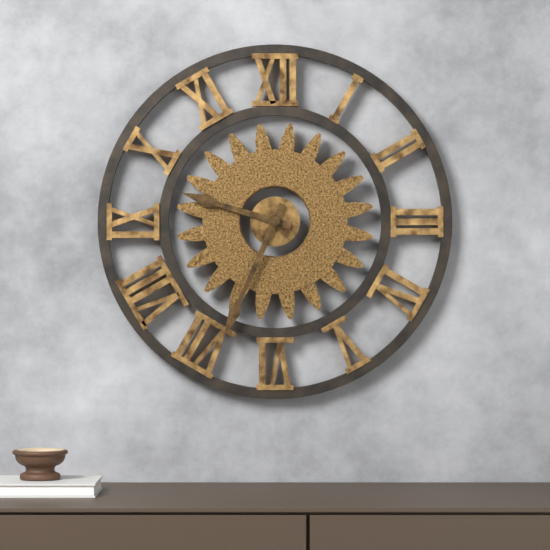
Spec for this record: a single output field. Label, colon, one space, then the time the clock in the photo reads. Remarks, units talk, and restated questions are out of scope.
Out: 9:34
